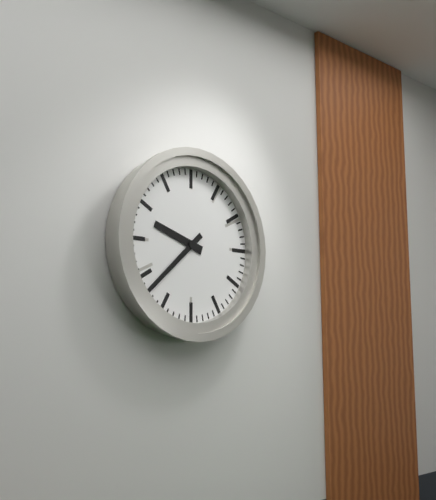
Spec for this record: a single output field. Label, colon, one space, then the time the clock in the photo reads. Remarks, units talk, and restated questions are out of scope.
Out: 9:38
